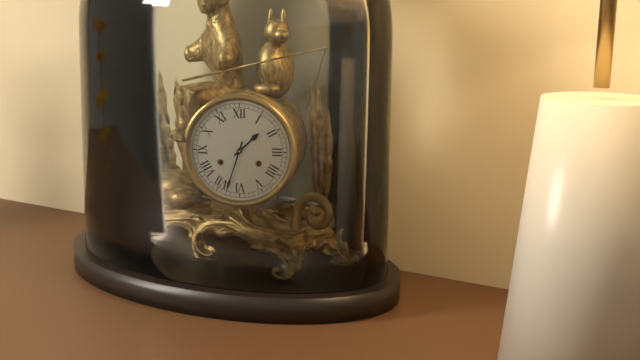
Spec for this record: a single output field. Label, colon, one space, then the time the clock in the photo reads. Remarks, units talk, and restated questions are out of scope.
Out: 1:33
